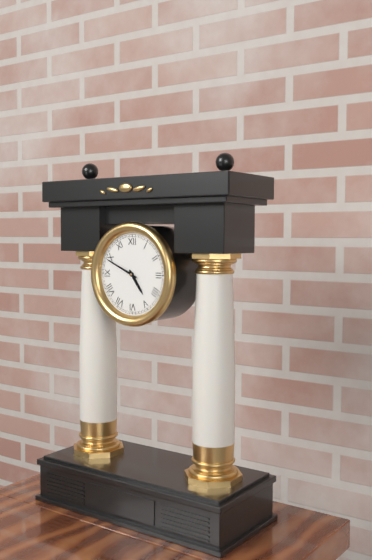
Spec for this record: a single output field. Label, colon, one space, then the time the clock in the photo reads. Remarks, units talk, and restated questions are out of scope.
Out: 4:49
